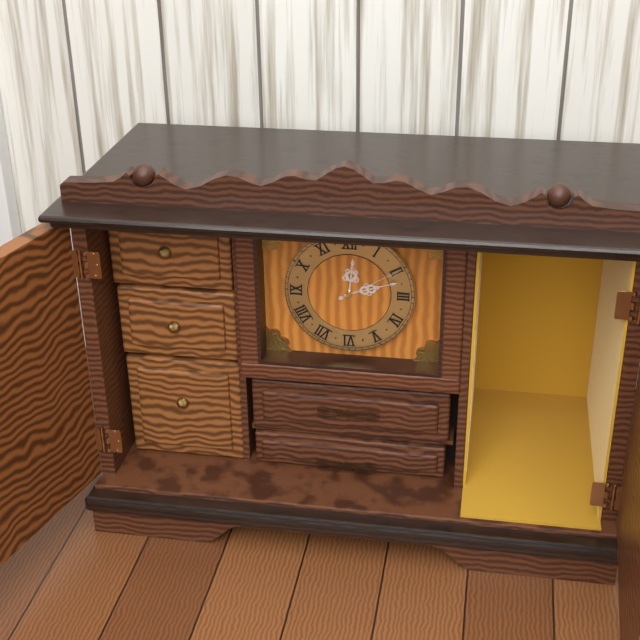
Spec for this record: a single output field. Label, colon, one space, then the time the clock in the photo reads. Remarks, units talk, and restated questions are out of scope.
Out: 12:12:10
